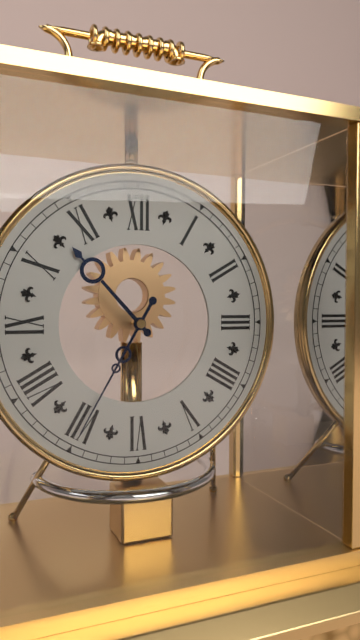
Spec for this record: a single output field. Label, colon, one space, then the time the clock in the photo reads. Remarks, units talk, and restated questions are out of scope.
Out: 10:35
